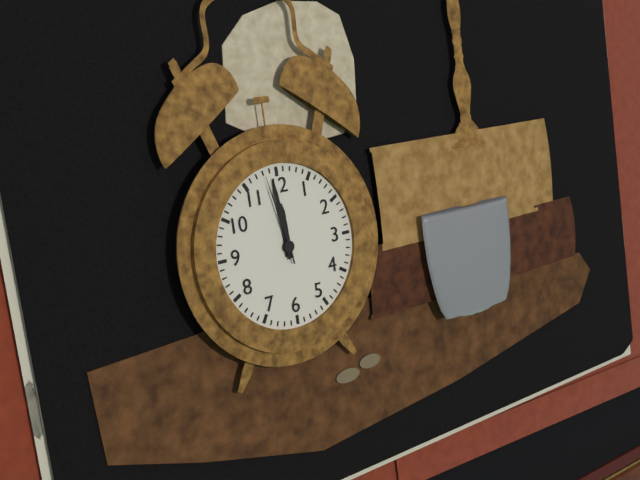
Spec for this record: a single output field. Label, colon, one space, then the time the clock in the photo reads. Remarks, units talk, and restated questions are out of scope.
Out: 11:59:58
